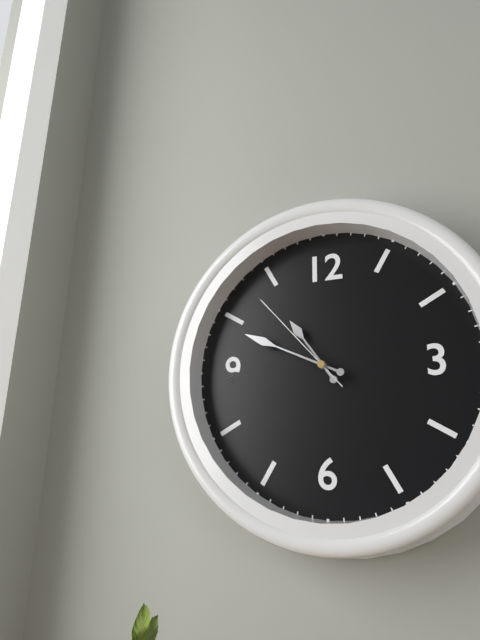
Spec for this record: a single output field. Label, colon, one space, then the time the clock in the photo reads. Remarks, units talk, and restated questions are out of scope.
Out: 10:49:53
